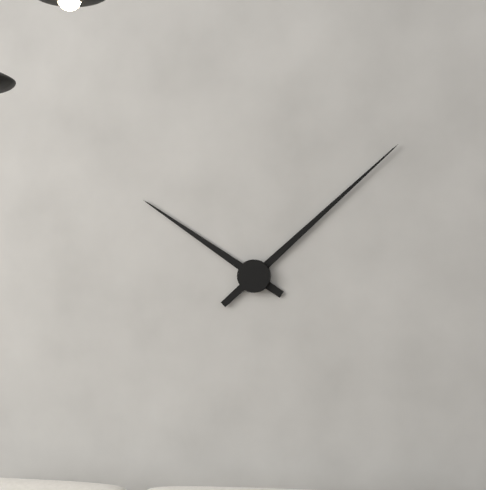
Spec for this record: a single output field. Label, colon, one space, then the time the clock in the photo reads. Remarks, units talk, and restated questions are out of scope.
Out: 10:08
